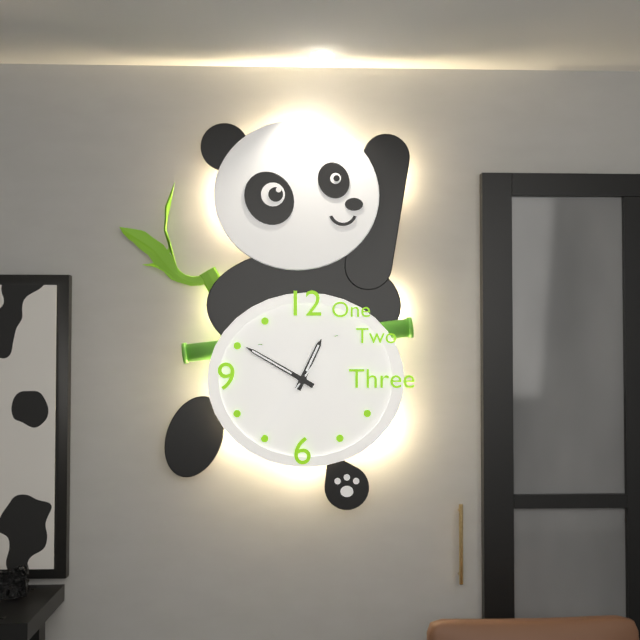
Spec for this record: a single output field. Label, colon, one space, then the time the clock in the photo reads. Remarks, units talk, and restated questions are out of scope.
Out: 12:50:36
